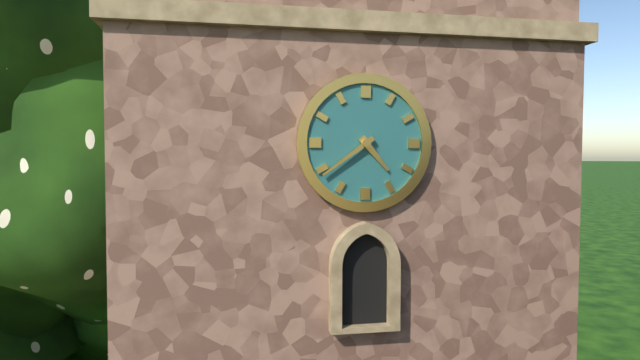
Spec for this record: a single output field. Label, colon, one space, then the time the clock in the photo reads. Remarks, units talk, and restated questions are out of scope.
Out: 4:39
